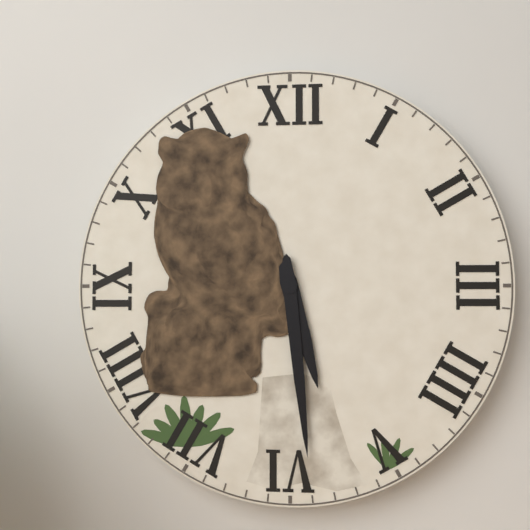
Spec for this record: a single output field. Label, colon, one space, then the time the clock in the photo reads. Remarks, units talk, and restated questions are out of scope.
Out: 5:29
